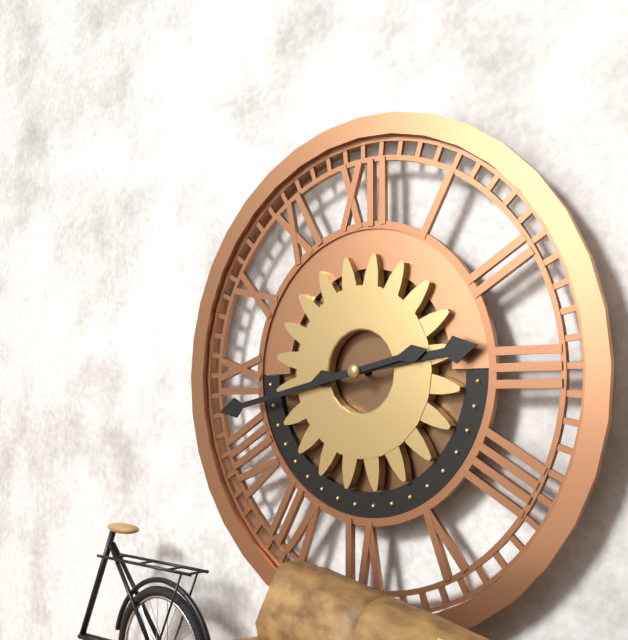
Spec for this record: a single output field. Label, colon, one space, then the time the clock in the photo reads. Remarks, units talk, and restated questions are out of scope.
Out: 2:43
